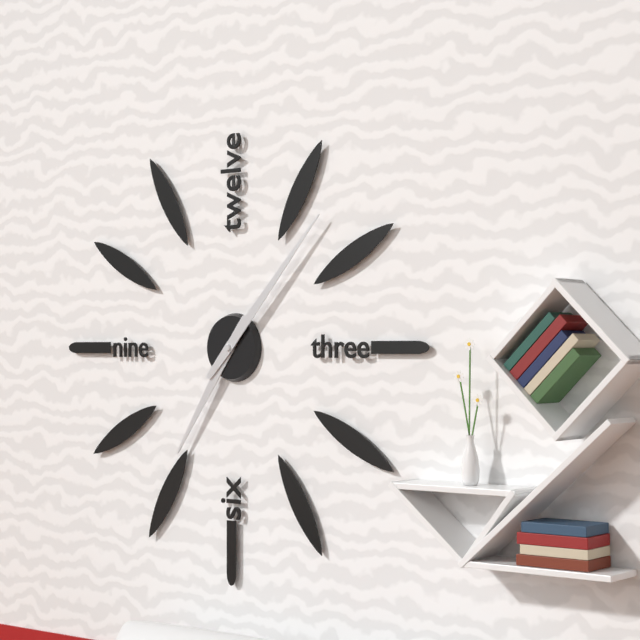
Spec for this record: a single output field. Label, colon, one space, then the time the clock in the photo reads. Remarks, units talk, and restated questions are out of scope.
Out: 7:07
